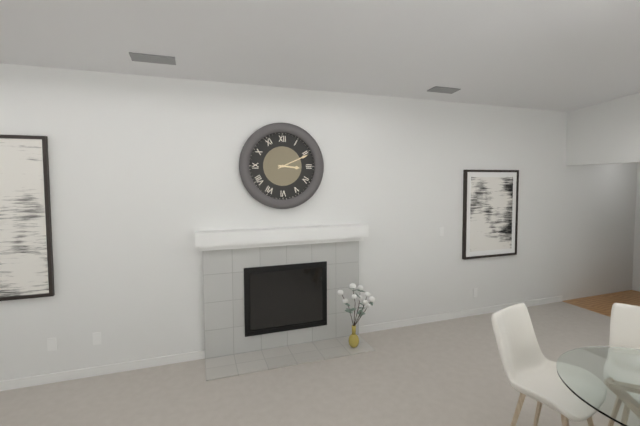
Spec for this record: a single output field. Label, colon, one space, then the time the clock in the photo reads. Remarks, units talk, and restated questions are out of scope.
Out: 3:11
